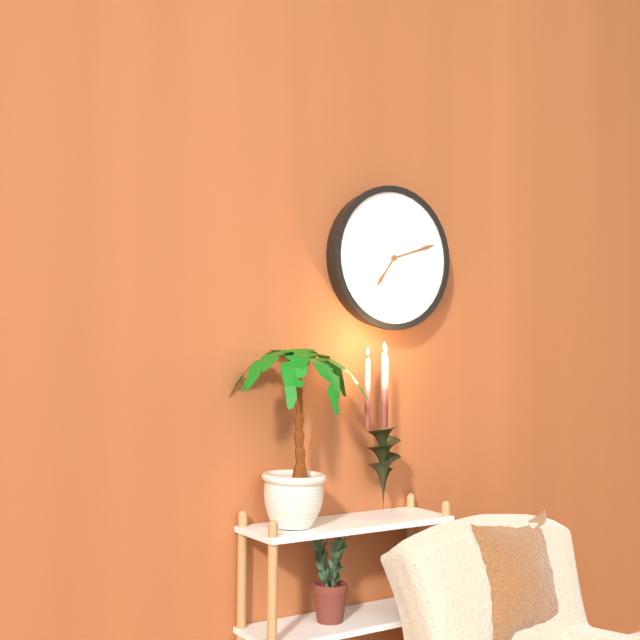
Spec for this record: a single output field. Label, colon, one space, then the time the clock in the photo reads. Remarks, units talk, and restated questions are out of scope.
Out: 7:12
